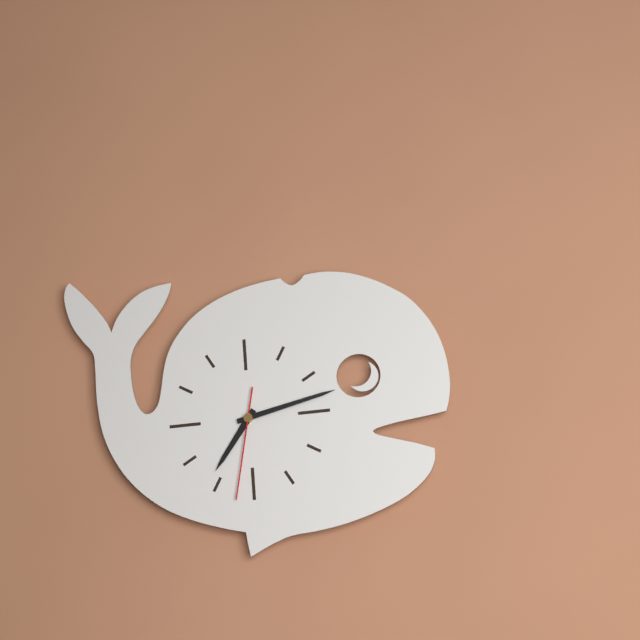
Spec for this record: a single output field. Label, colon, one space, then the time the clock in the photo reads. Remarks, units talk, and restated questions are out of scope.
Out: 7:13:32
